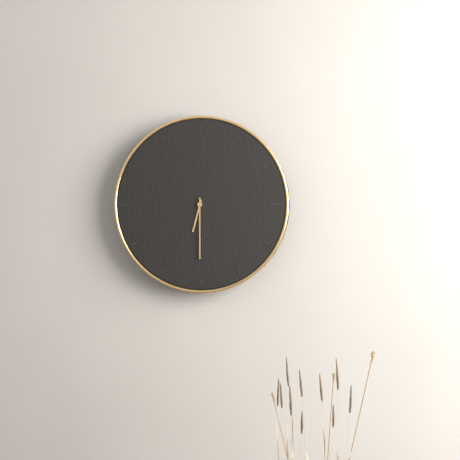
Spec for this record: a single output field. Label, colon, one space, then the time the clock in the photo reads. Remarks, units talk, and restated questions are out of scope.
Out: 6:30
